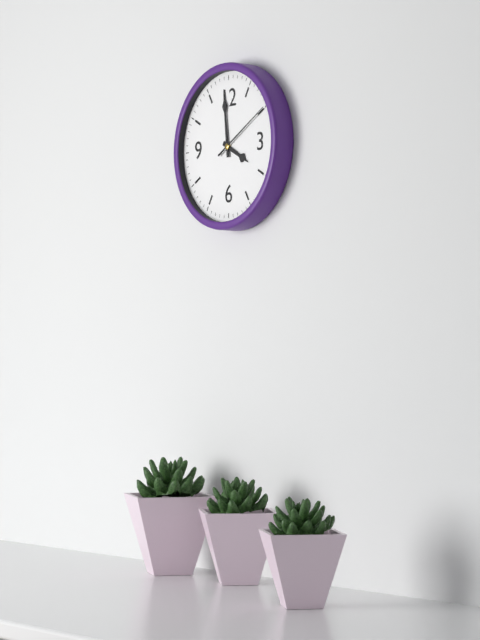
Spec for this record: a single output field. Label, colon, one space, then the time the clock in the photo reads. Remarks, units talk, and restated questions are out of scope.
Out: 3:59:10
